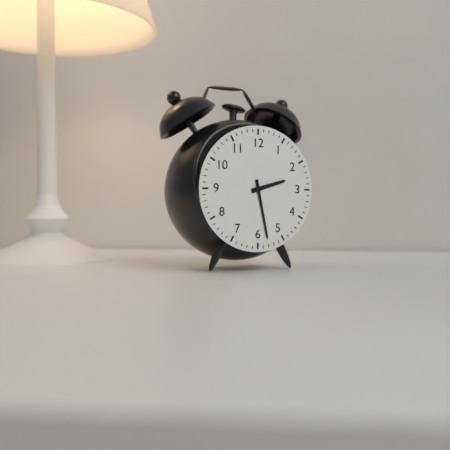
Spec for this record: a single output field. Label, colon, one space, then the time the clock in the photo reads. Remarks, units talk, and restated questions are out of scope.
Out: 2:28
